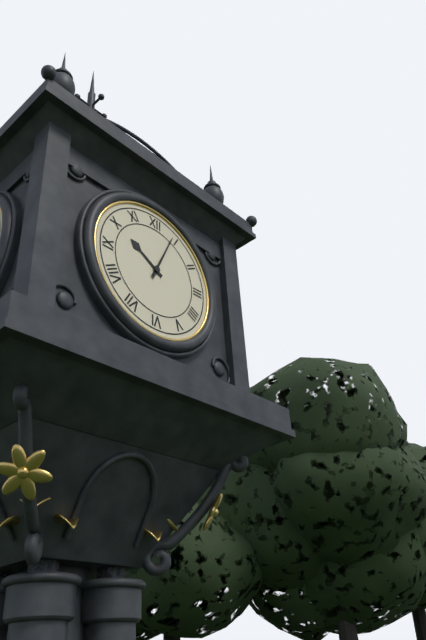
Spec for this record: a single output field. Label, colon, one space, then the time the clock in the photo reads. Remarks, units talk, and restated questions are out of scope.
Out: 10:04
